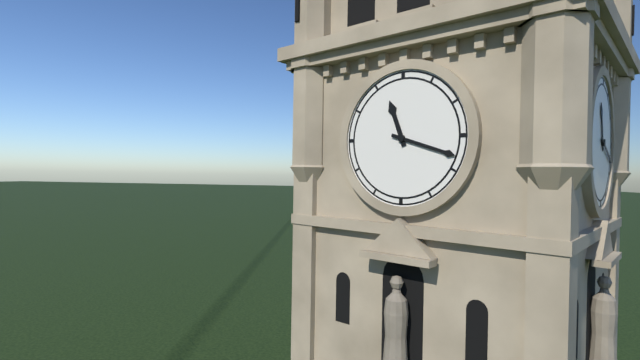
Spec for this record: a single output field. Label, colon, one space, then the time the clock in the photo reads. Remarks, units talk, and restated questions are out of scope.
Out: 11:18
